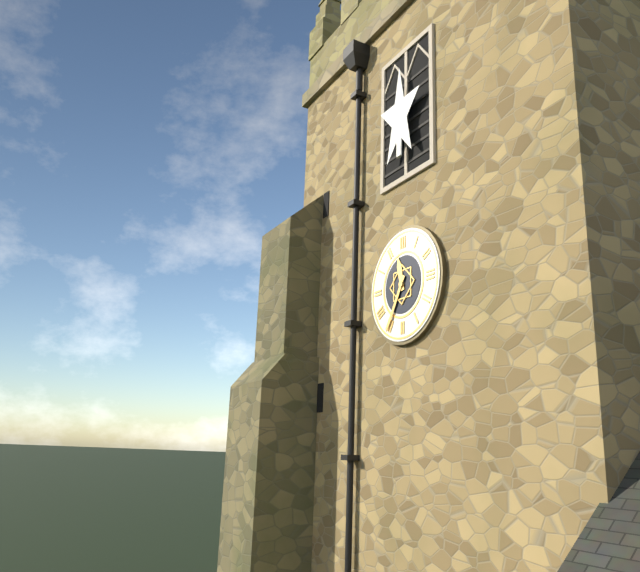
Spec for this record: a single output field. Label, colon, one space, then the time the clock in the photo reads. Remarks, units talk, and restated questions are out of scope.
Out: 11:35
